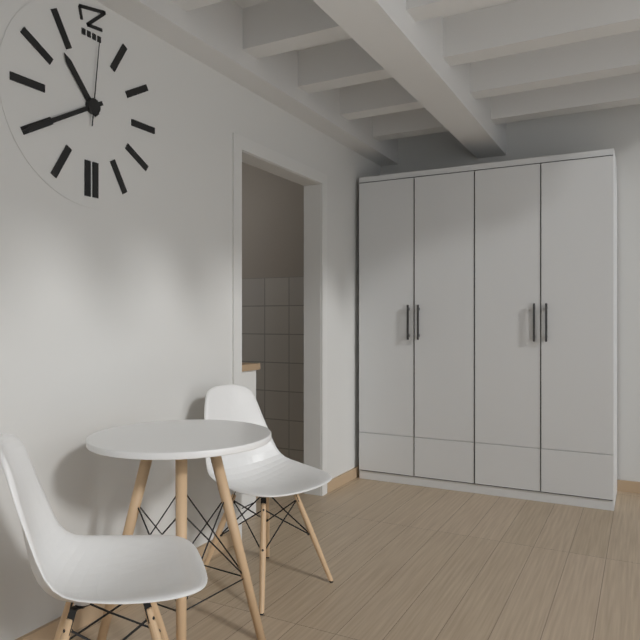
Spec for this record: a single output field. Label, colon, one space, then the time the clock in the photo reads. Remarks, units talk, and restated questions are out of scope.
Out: 10:40:01
